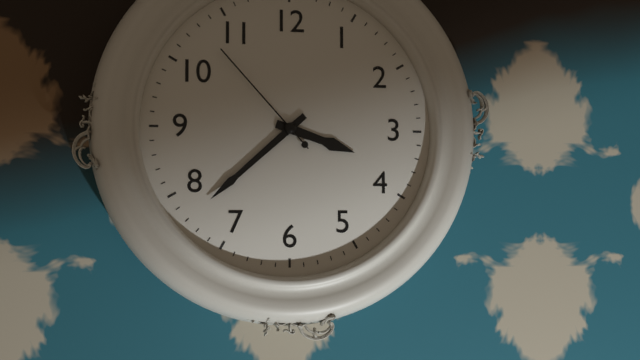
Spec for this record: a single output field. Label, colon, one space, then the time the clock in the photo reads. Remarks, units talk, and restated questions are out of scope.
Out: 3:38:53
